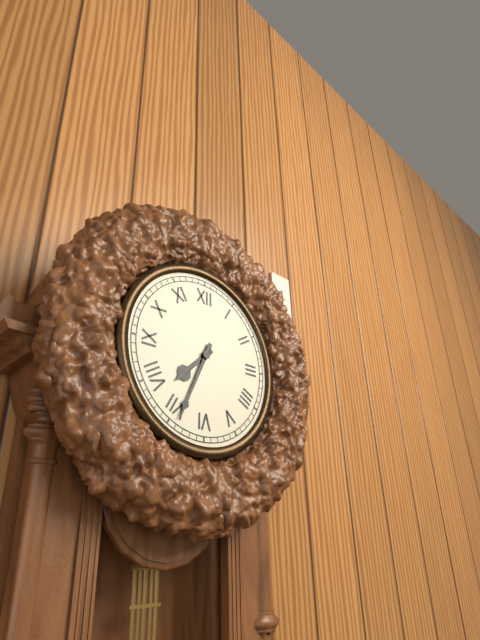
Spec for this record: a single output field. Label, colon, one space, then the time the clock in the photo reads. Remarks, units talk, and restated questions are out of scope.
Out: 7:34
